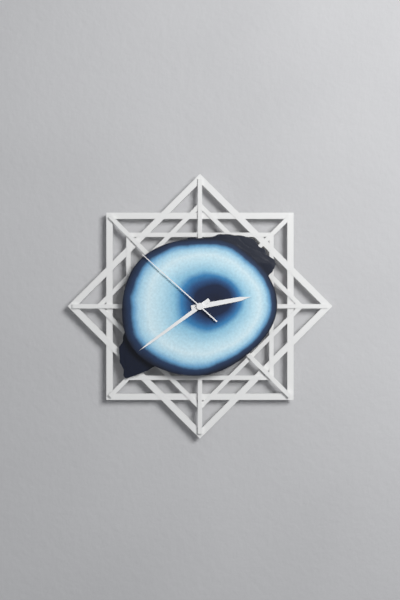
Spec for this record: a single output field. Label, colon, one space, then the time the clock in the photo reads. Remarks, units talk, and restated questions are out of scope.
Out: 2:39:52
